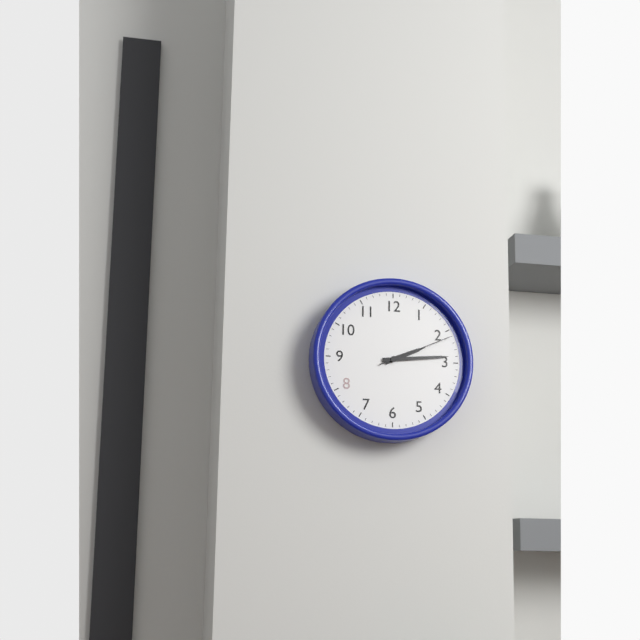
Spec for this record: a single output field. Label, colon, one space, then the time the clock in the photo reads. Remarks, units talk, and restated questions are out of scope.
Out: 2:14:11
